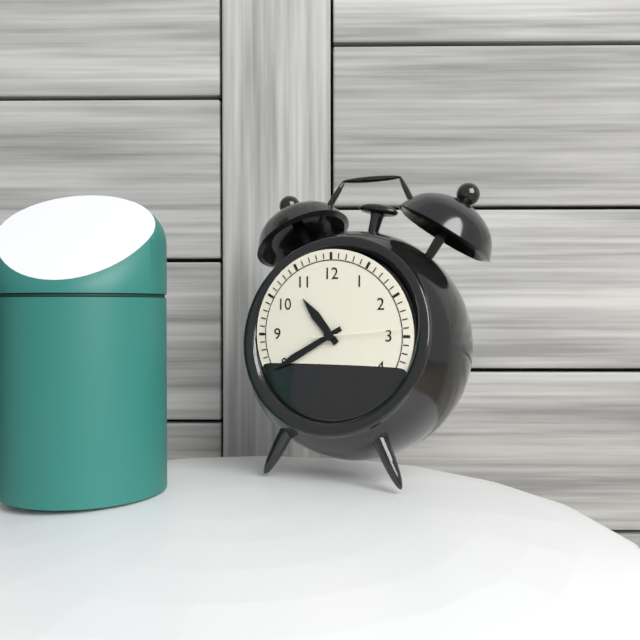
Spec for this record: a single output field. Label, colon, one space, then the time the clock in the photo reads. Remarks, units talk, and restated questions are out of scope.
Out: 10:40:14
